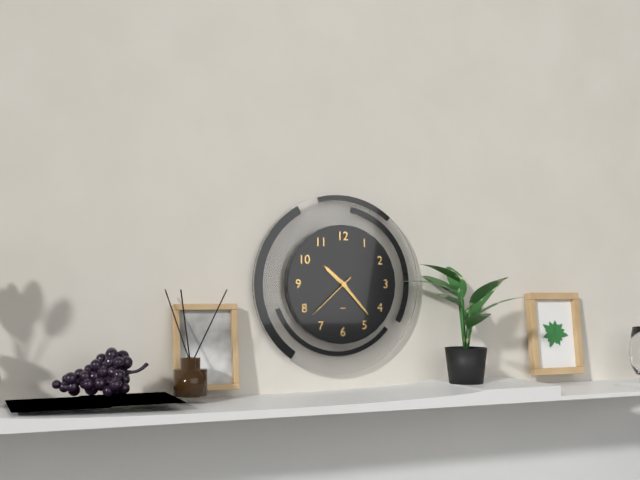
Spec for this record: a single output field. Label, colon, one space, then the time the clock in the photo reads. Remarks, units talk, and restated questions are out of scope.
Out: 10:23:38
